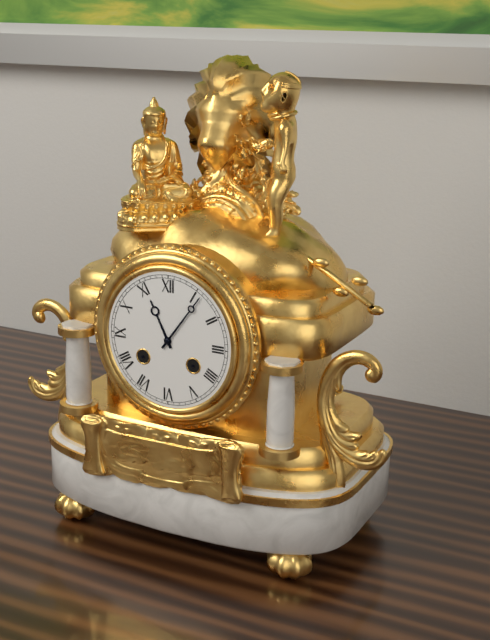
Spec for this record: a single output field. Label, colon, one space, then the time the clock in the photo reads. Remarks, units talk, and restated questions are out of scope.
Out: 11:06
